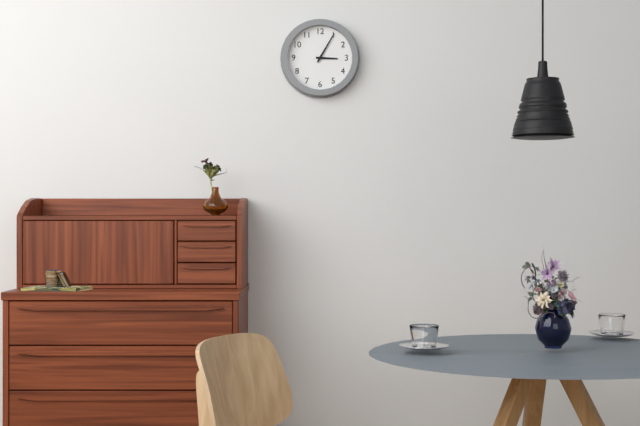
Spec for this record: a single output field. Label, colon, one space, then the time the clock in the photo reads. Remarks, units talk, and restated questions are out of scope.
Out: 3:05
